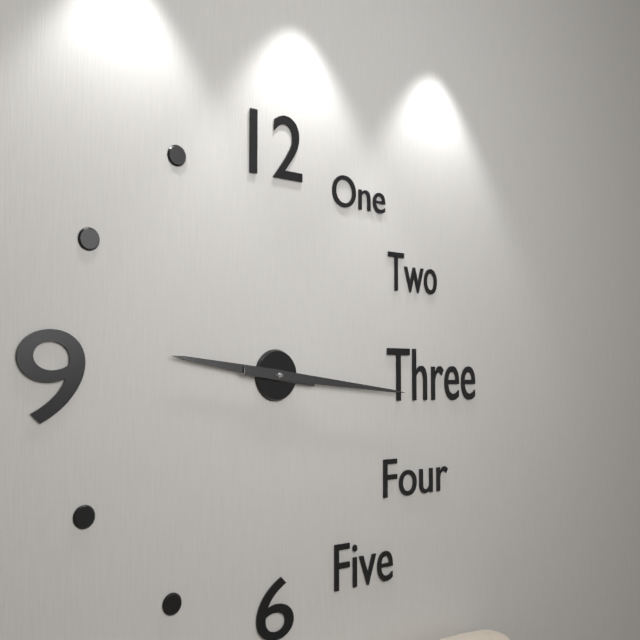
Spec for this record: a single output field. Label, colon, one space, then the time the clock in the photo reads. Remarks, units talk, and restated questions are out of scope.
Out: 9:16
